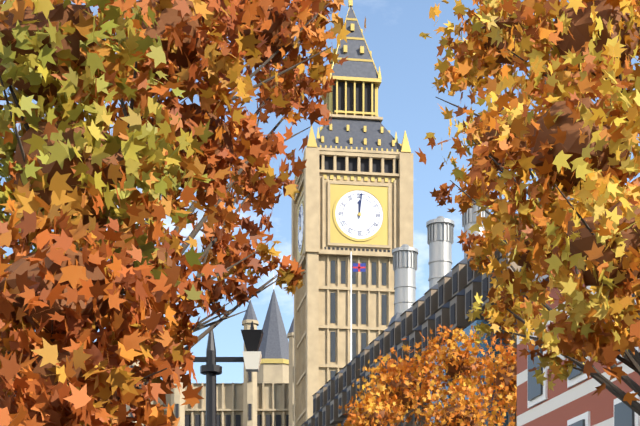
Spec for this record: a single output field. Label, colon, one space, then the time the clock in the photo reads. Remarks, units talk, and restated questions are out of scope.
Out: 12:01
